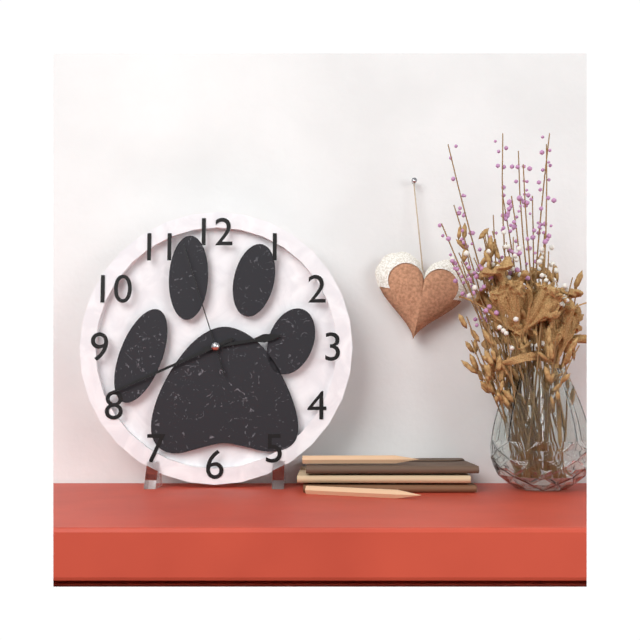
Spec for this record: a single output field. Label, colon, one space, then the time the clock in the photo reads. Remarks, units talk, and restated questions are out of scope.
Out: 2:41:57
